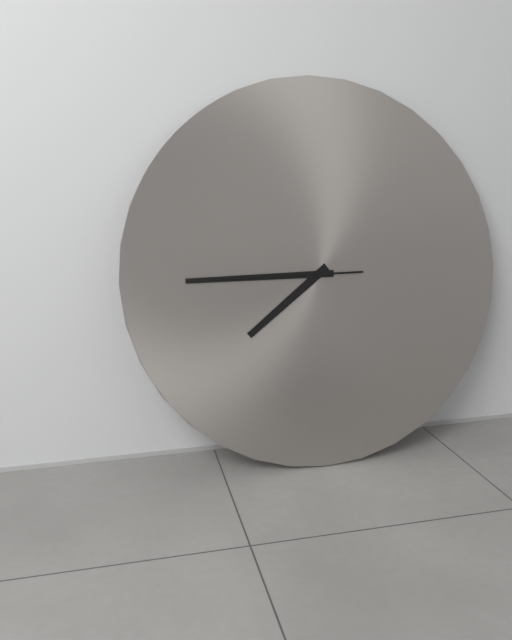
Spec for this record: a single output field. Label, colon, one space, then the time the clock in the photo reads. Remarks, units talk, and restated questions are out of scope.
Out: 7:45:45
